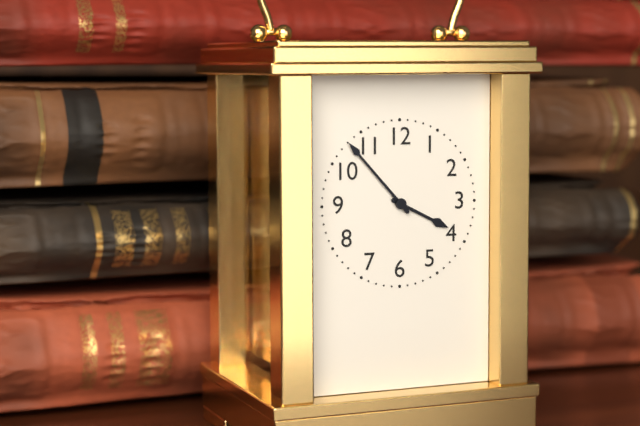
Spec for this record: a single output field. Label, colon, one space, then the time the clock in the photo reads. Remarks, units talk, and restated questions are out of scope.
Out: 3:53
